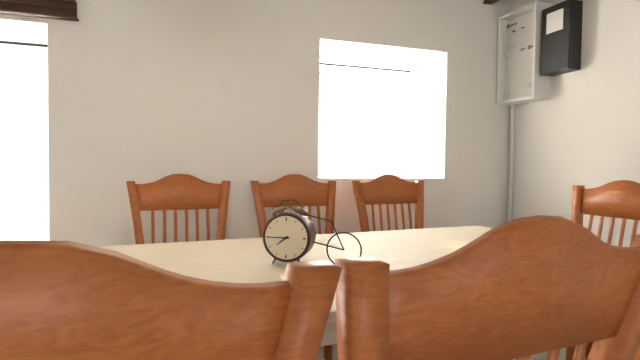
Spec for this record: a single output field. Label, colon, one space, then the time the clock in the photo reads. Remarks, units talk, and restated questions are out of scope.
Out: 7:45
